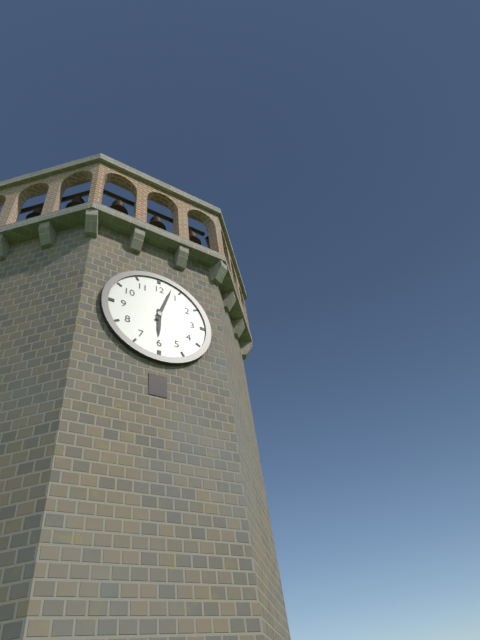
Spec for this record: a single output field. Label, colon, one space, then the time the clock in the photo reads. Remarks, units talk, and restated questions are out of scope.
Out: 6:03
